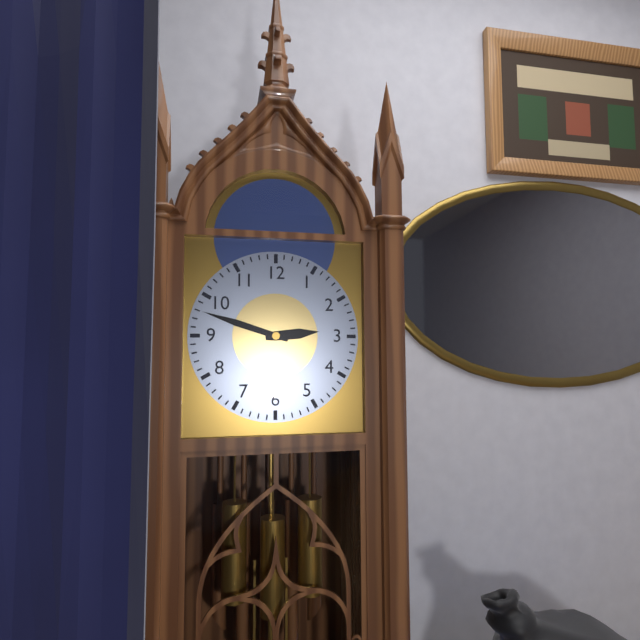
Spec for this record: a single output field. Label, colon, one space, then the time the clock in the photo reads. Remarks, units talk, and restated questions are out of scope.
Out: 2:48
